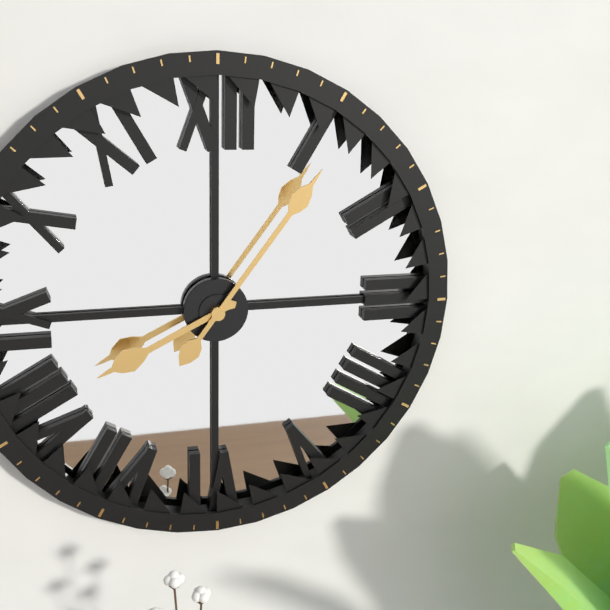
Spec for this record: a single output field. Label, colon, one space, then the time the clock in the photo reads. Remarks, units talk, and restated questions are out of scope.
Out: 8:06
